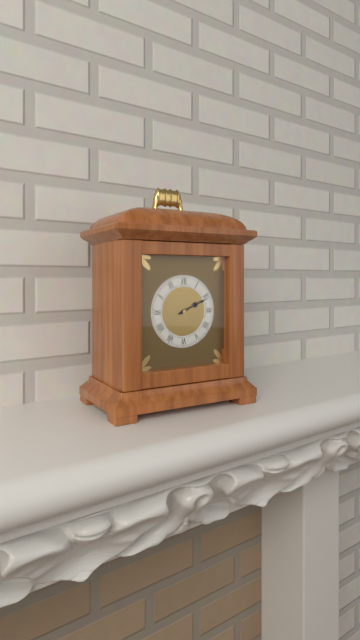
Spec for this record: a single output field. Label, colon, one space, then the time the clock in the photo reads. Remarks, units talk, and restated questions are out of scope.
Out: 2:11
